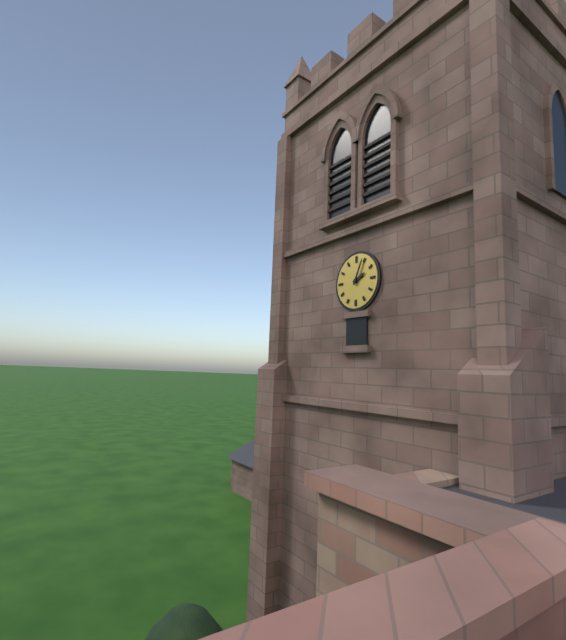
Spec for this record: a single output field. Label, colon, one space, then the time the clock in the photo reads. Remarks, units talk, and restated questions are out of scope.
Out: 2:04
